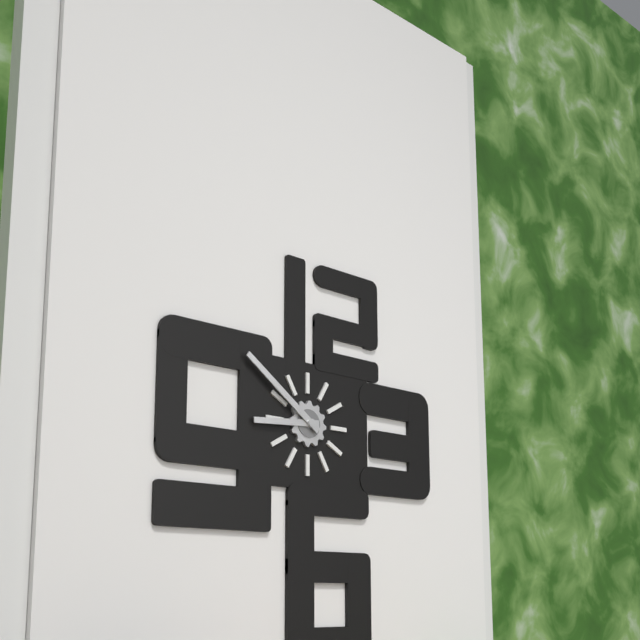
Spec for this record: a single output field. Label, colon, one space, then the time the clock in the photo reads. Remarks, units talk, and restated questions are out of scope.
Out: 8:51
